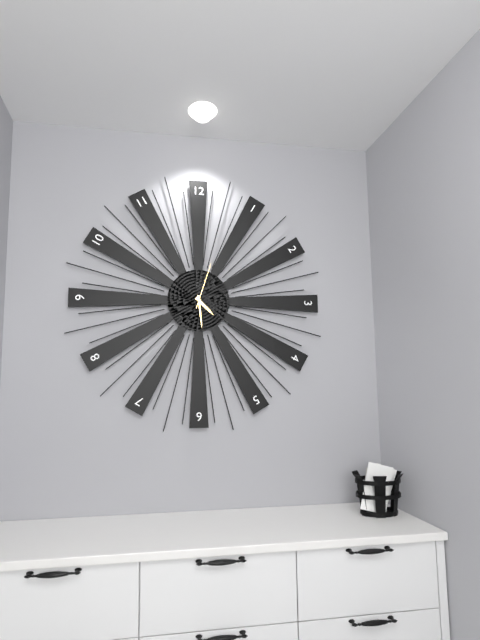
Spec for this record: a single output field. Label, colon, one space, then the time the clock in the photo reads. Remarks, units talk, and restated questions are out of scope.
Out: 4:29
